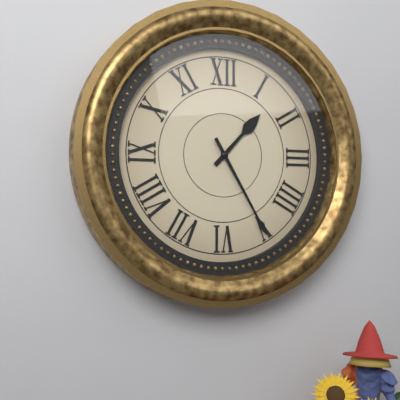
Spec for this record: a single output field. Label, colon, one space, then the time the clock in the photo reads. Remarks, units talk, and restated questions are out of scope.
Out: 1:25
